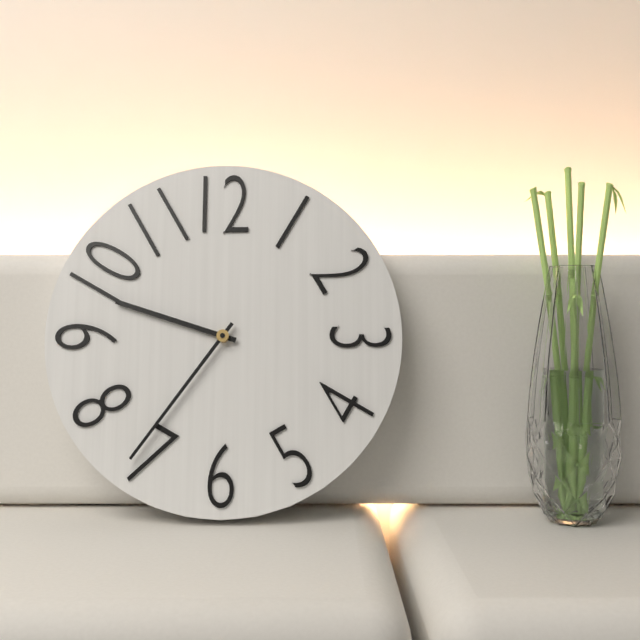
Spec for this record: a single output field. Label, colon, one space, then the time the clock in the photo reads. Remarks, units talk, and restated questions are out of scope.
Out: 9:36
